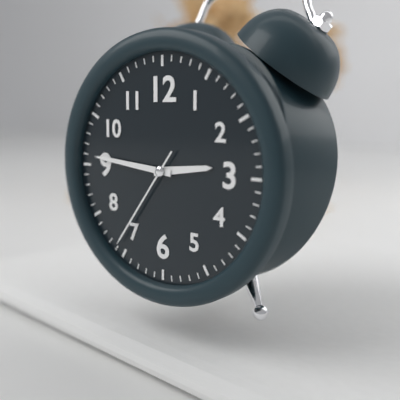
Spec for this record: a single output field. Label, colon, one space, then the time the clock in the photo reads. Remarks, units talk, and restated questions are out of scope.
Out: 2:46:36
